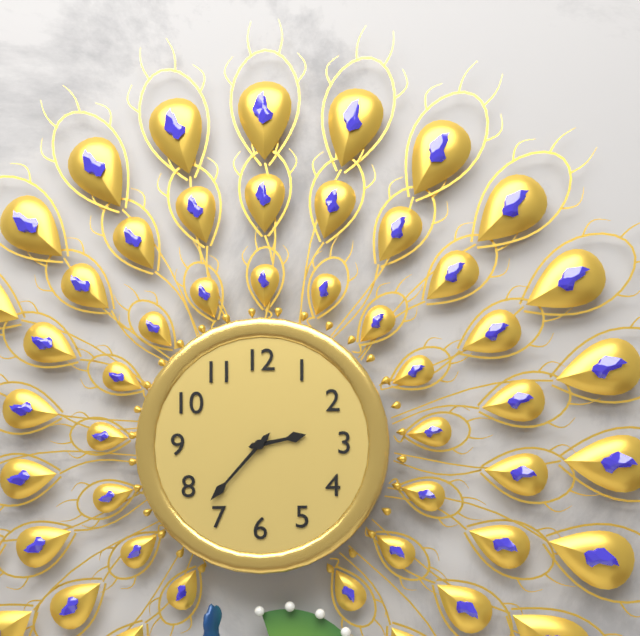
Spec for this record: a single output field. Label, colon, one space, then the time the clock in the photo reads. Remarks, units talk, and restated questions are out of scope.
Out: 2:37
